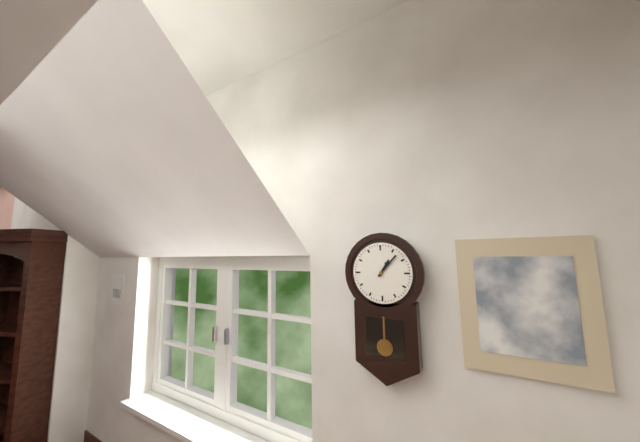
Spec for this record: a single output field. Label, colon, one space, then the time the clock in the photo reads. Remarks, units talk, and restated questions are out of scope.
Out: 1:07
